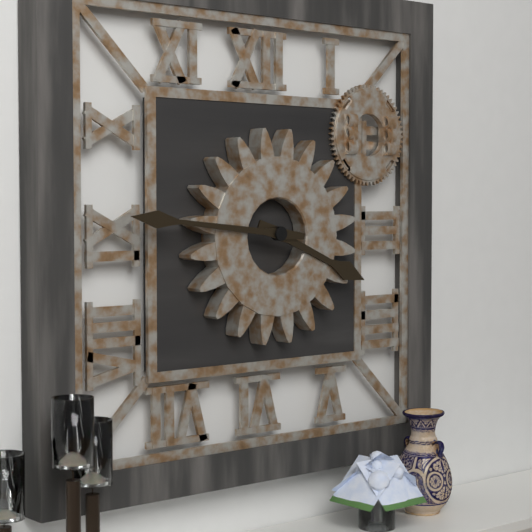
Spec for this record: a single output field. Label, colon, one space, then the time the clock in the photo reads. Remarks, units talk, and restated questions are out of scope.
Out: 3:46
